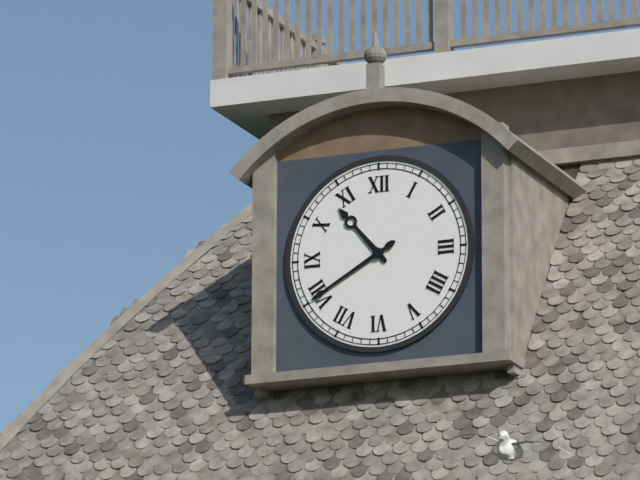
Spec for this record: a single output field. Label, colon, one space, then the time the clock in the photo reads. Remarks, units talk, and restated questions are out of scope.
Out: 10:40
